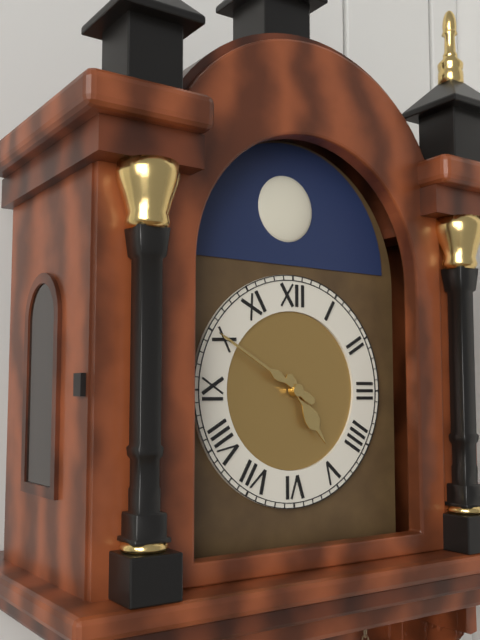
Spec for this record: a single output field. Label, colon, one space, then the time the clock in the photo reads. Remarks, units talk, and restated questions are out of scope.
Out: 4:50
